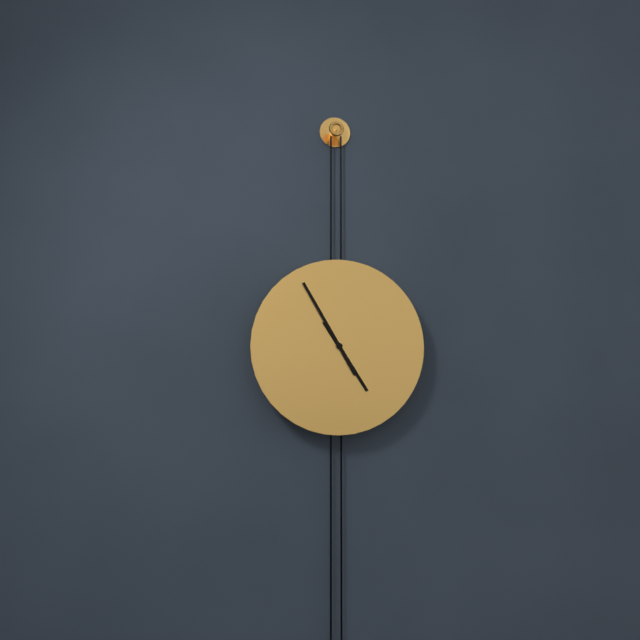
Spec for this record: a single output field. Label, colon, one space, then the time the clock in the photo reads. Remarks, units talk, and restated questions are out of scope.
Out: 4:55
